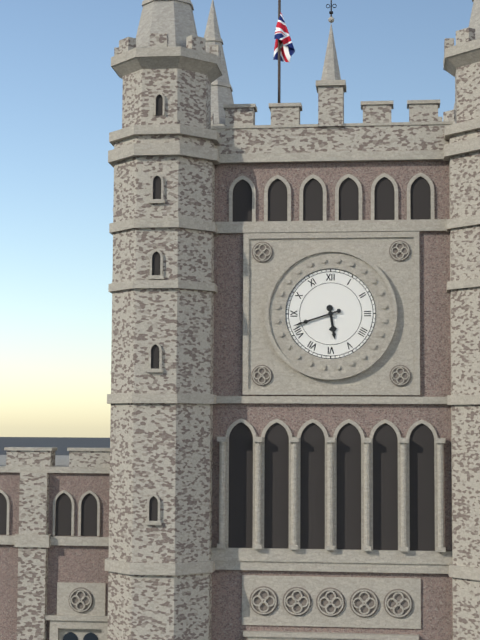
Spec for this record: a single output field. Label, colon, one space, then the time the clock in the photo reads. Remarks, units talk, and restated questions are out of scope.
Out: 5:42
